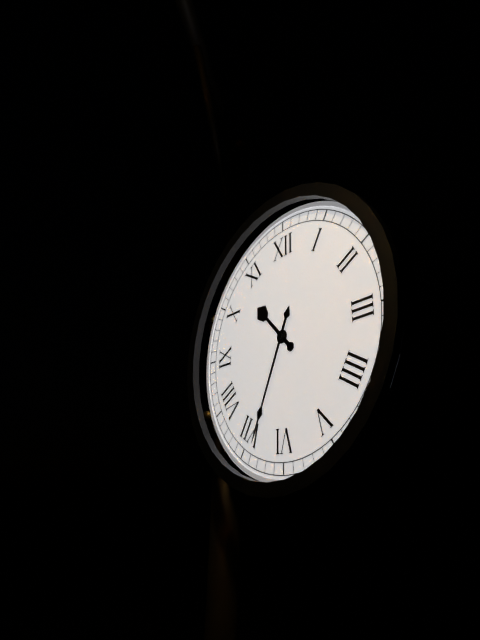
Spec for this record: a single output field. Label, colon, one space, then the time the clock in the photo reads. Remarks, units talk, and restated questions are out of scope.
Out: 10:34
